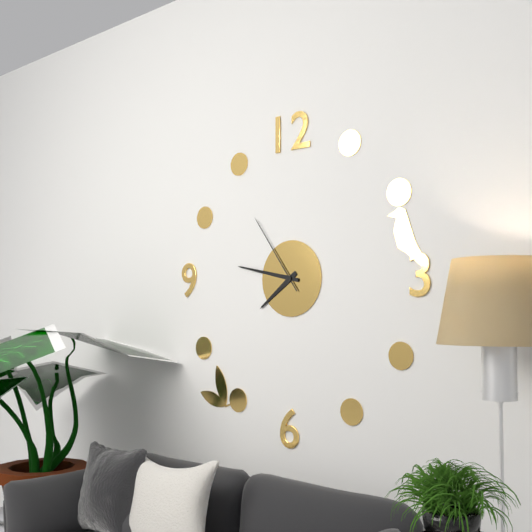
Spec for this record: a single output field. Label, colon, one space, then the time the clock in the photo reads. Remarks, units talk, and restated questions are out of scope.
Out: 7:47:54
